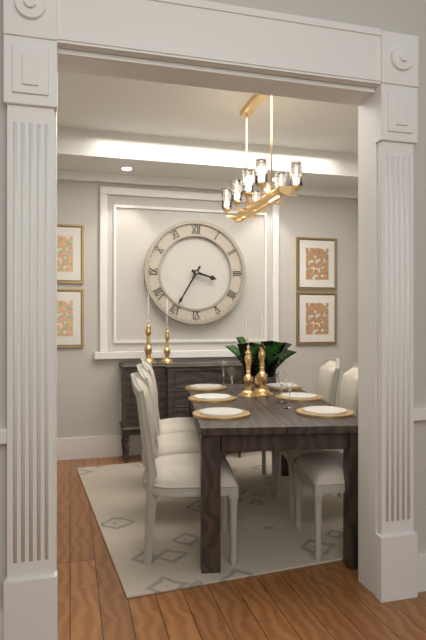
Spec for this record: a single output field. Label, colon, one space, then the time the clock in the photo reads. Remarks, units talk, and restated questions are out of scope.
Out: 3:35
